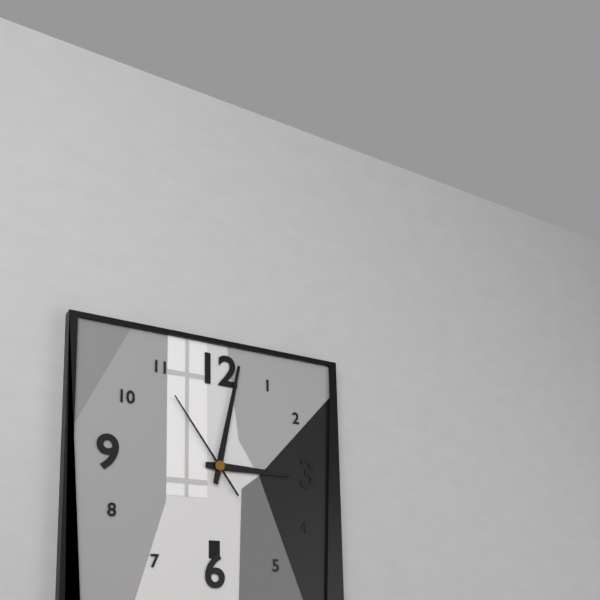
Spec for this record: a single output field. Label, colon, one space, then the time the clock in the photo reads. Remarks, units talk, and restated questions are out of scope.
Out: 3:02:54
